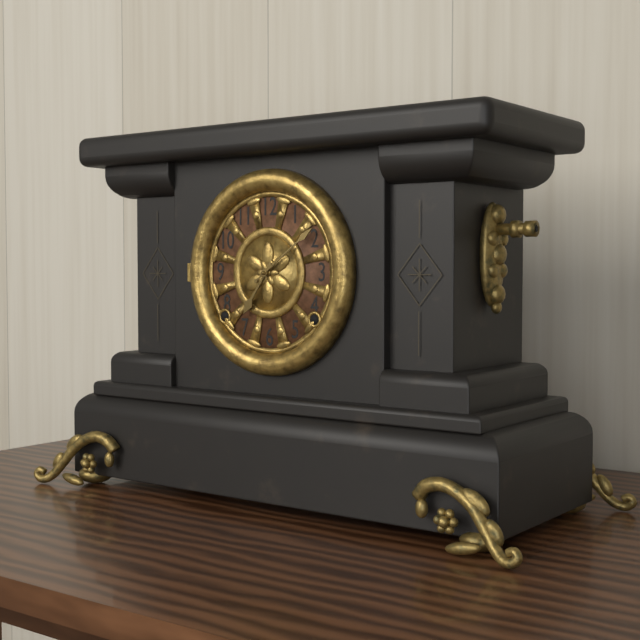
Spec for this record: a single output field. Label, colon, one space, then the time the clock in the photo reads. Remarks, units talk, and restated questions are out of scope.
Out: 7:09
